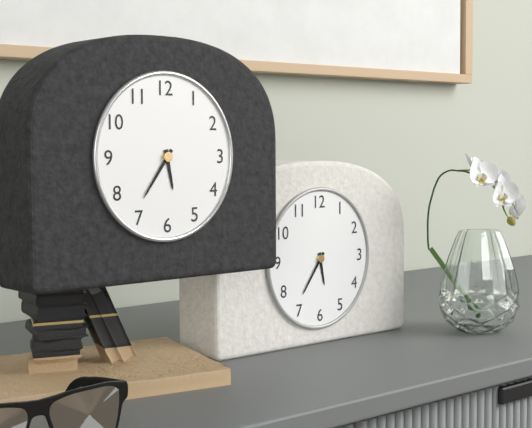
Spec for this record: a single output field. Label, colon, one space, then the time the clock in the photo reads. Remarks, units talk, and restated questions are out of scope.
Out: 5:36
